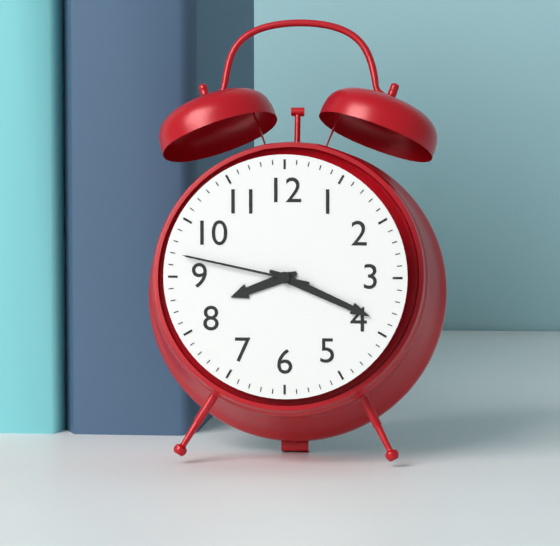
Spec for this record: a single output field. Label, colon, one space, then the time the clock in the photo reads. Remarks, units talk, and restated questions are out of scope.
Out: 8:19:47
